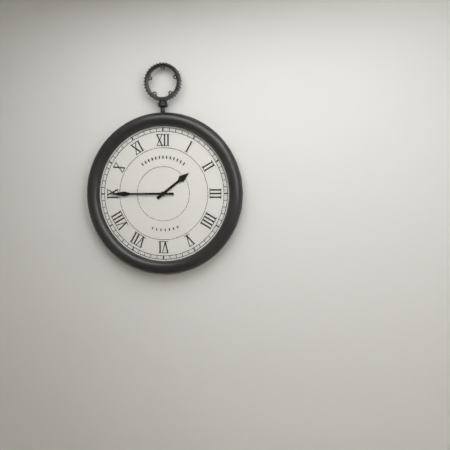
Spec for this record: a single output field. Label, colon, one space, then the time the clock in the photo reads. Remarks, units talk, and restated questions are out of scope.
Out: 1:45
